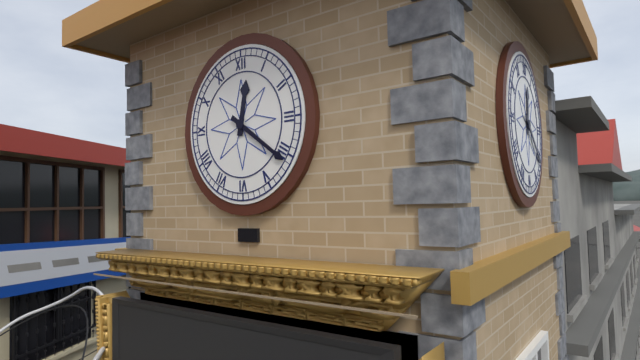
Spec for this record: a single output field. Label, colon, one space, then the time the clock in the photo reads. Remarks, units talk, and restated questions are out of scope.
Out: 12:21
